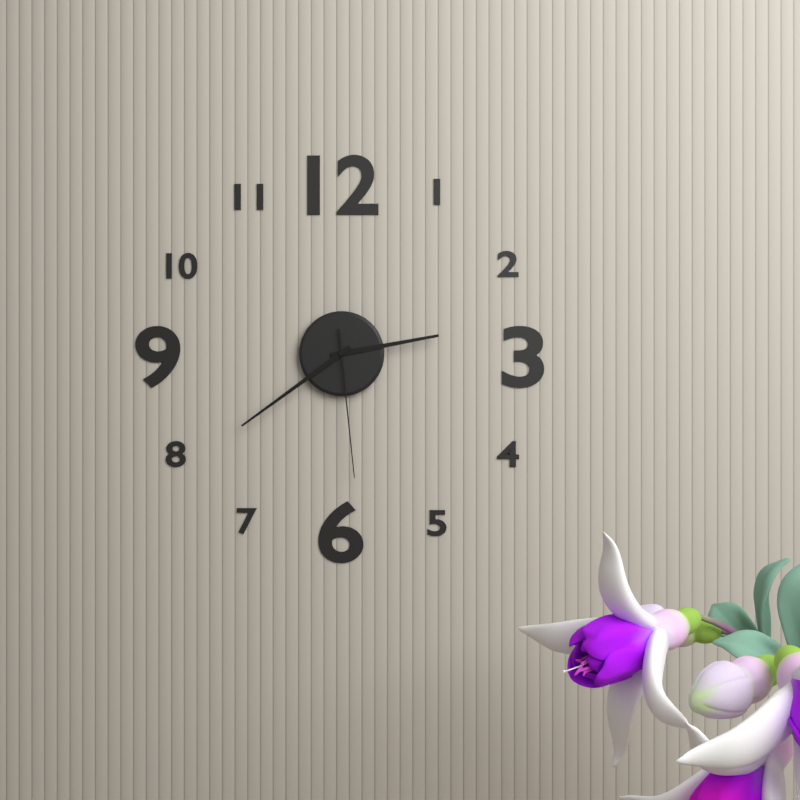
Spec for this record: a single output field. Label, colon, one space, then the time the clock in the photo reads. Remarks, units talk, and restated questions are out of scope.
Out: 2:39:29
